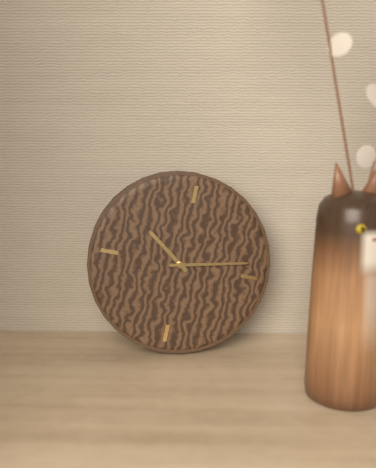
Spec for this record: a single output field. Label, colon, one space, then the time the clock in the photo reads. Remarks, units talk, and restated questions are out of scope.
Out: 10:13
